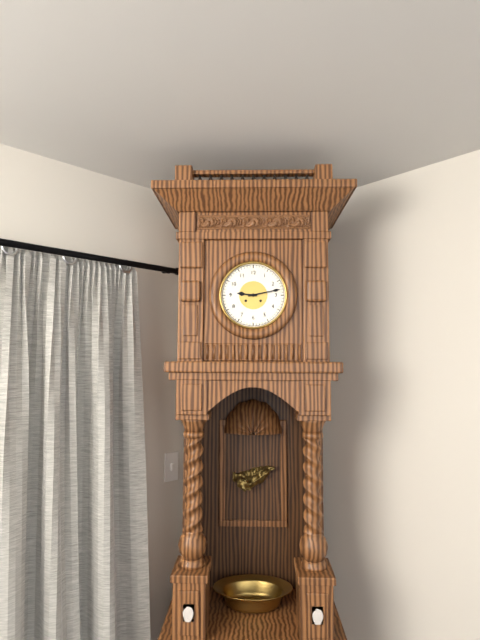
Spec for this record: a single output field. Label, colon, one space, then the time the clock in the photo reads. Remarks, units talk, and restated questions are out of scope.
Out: 9:13
